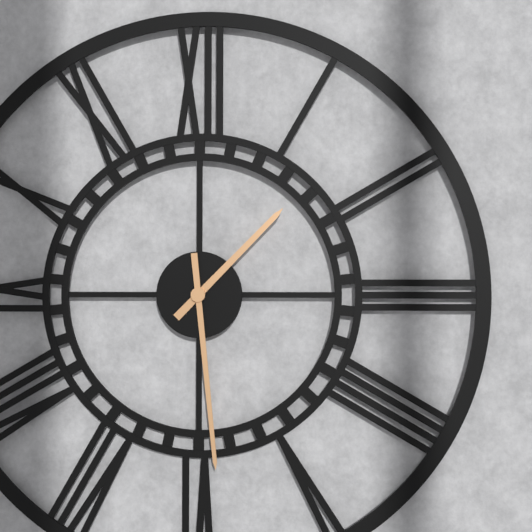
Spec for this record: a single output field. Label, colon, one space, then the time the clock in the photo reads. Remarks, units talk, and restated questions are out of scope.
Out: 1:29
